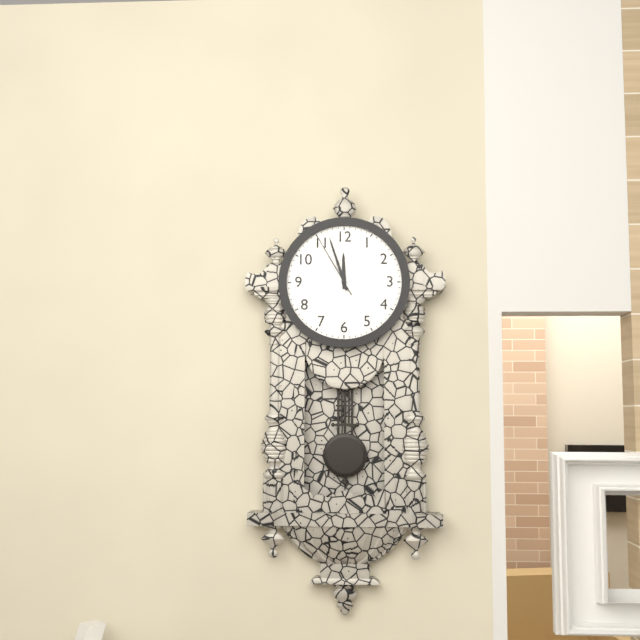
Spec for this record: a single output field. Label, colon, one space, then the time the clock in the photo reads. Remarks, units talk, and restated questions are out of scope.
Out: 11:57:55
